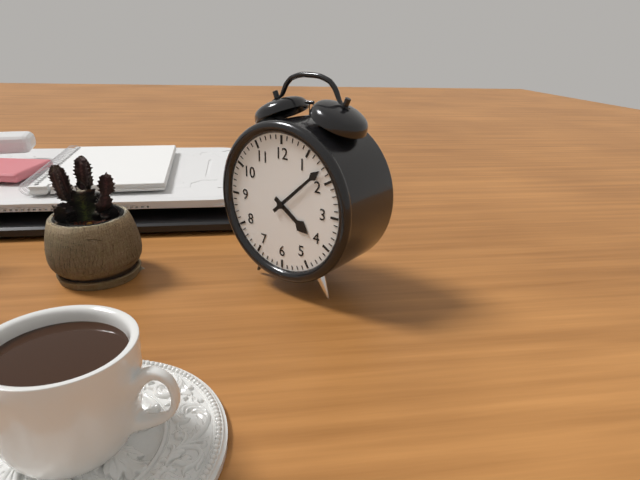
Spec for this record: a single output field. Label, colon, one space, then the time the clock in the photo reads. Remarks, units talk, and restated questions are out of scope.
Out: 4:08
